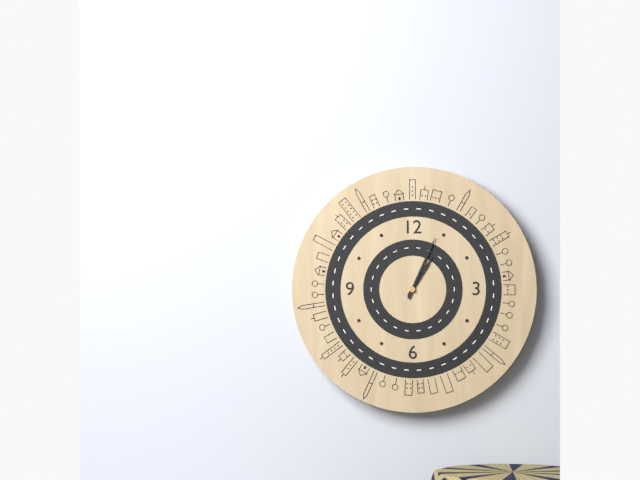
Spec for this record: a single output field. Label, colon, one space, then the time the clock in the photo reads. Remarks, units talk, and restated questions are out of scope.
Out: 1:04
